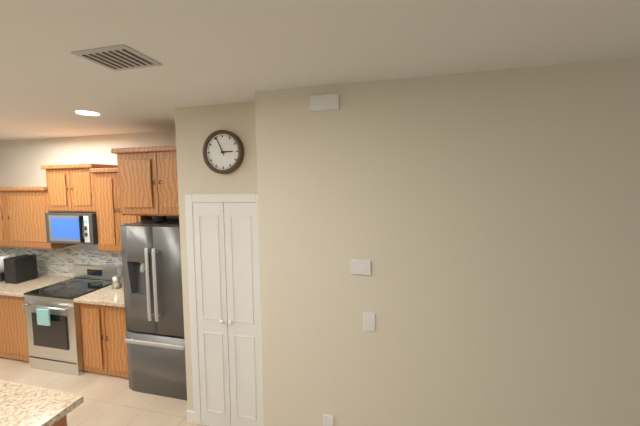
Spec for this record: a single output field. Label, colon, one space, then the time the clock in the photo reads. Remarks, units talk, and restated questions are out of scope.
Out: 2:56
